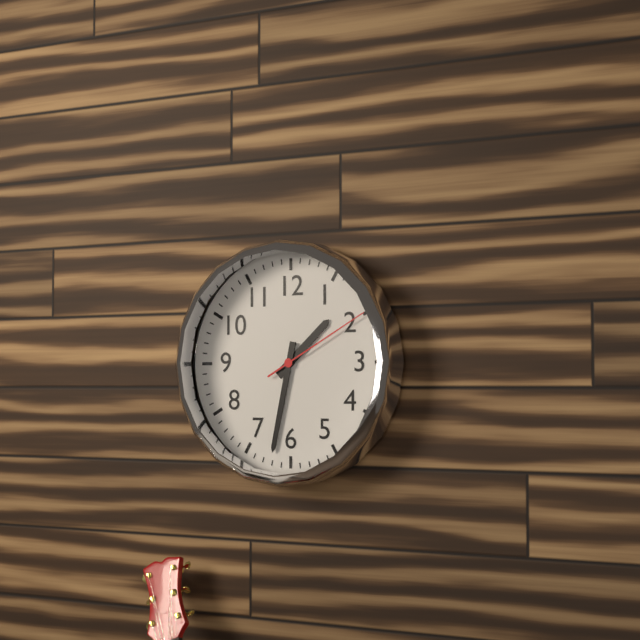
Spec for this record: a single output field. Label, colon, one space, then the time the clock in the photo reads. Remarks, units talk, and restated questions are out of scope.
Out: 1:32:10
